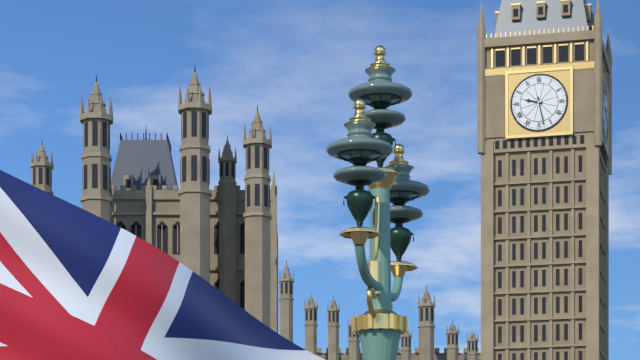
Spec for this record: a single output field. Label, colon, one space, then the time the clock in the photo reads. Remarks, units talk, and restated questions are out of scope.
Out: 9:28
